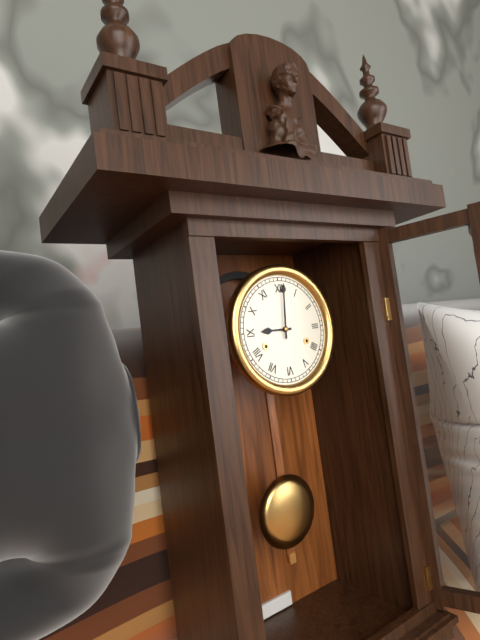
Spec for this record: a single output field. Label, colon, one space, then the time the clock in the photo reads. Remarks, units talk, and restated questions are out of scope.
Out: 9:01
